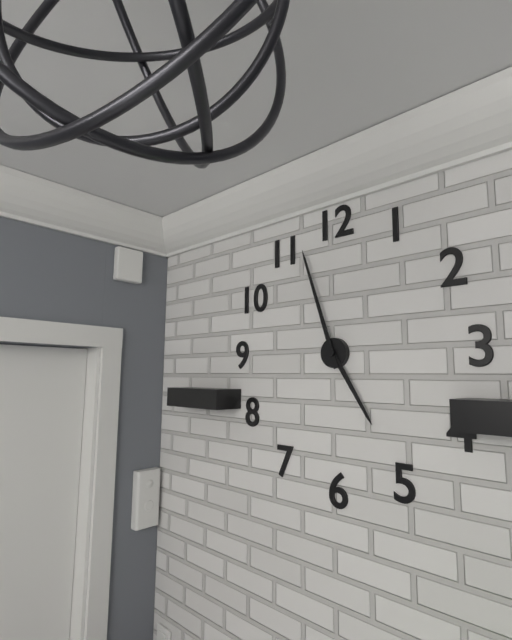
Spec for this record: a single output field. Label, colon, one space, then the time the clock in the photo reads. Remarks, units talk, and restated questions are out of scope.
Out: 4:57
